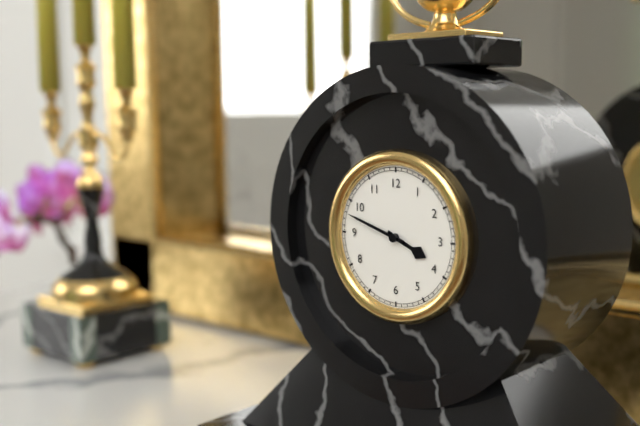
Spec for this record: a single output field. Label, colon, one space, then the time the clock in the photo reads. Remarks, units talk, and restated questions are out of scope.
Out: 3:48
